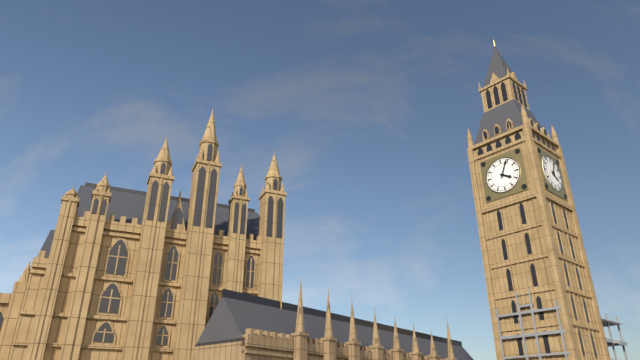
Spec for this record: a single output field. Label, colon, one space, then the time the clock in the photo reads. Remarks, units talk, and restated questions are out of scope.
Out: 4:04
